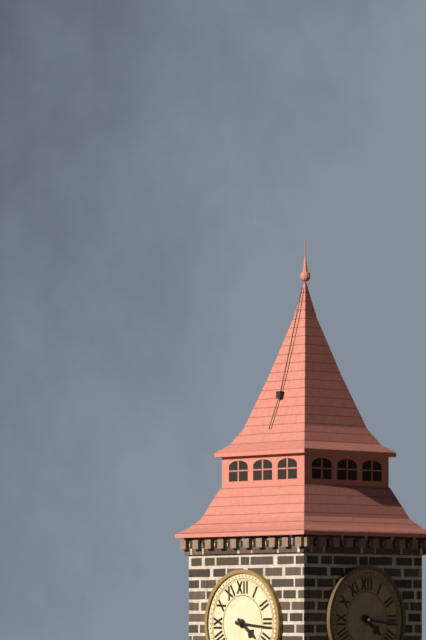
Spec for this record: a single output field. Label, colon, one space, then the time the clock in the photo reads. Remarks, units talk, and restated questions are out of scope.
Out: 4:16
